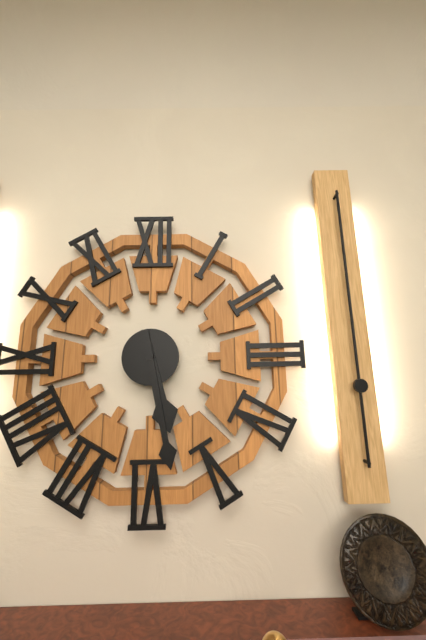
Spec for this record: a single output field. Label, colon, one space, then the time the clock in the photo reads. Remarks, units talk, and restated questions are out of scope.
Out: 5:28
